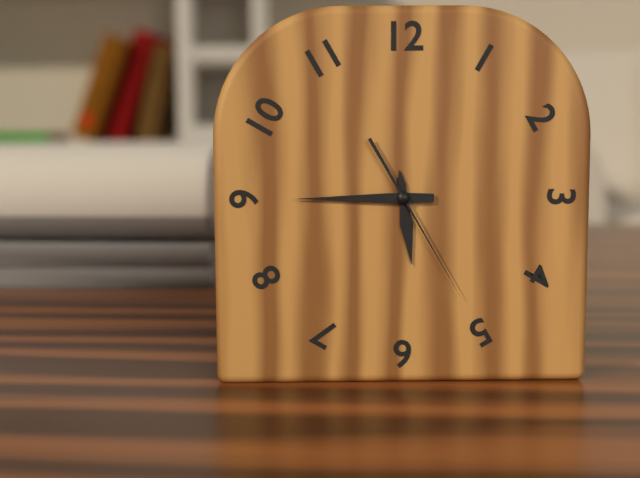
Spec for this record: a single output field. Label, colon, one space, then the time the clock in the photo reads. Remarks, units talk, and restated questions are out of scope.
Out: 5:45:25
